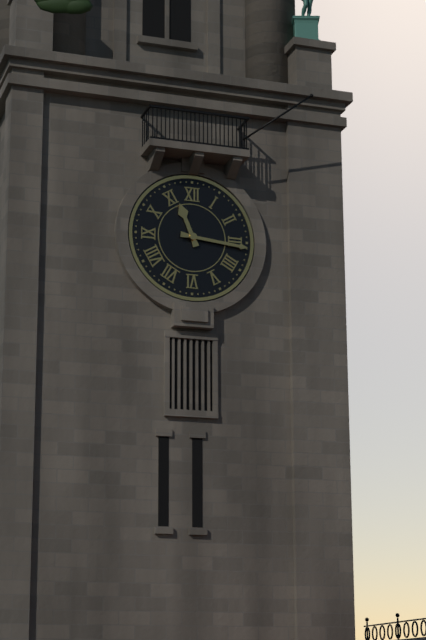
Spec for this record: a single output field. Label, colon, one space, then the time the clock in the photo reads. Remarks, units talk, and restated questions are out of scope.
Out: 11:16
